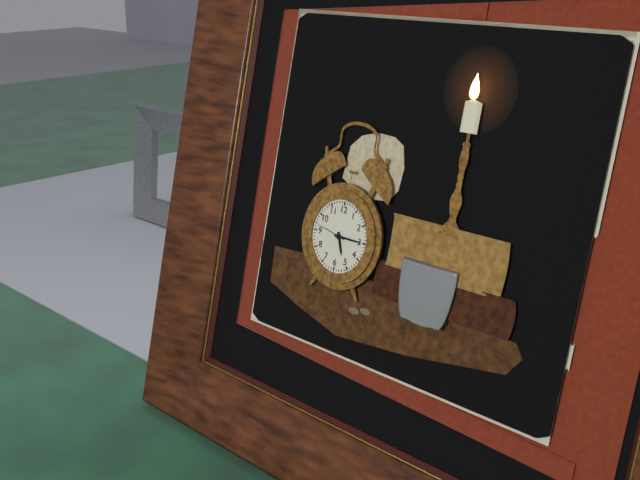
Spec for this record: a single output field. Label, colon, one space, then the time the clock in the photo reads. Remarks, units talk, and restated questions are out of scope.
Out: 5:15
